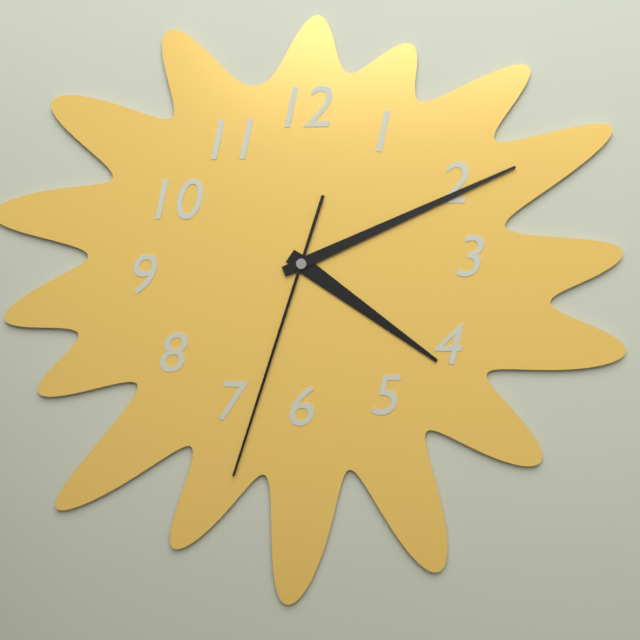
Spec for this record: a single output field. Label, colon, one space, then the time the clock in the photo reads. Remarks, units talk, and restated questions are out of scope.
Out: 4:11:33
